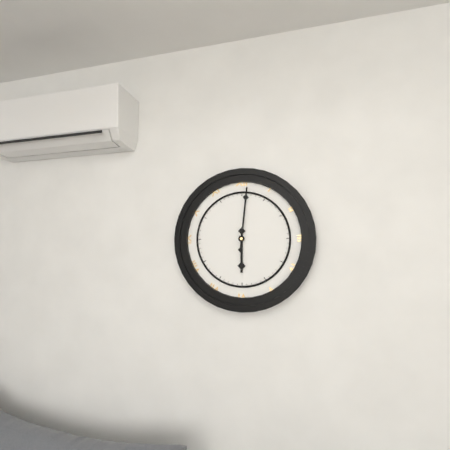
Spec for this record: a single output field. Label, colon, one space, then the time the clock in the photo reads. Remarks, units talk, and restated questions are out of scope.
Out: 6:01
